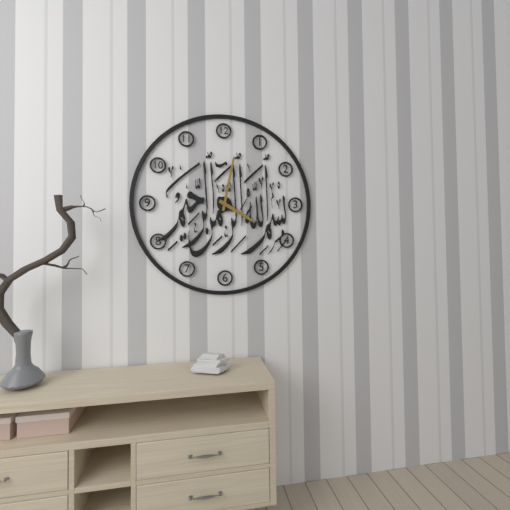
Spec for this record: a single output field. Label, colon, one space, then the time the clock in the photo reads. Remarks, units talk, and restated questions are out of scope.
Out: 4:02
